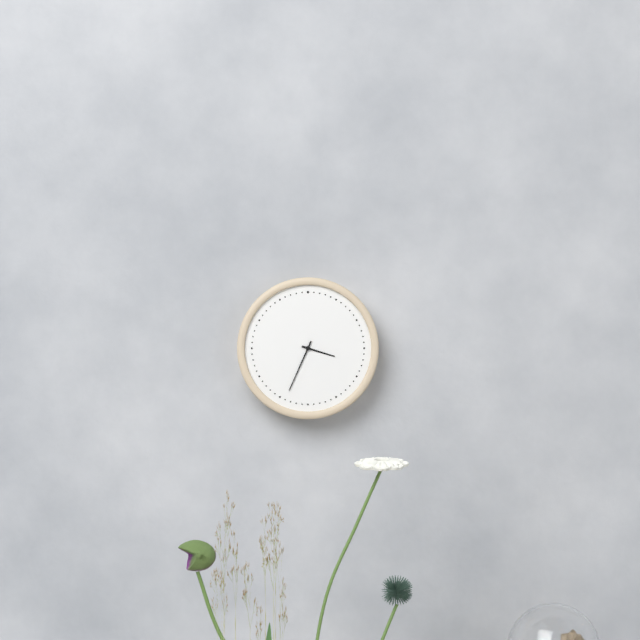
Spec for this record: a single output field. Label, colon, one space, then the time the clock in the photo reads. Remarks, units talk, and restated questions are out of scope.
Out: 3:34
